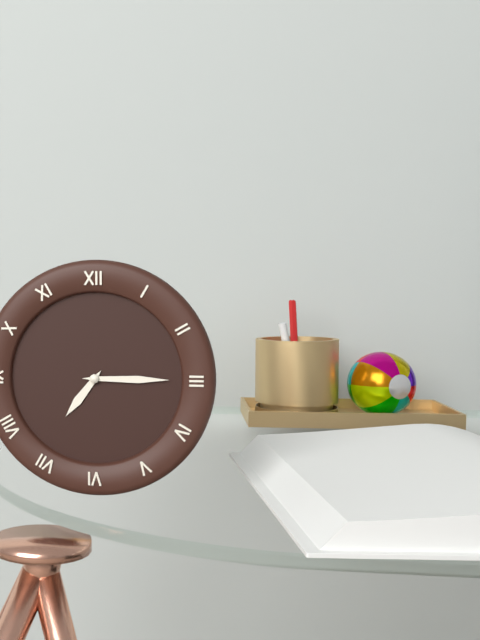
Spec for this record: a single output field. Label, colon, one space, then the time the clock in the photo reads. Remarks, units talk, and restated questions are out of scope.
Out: 7:15
